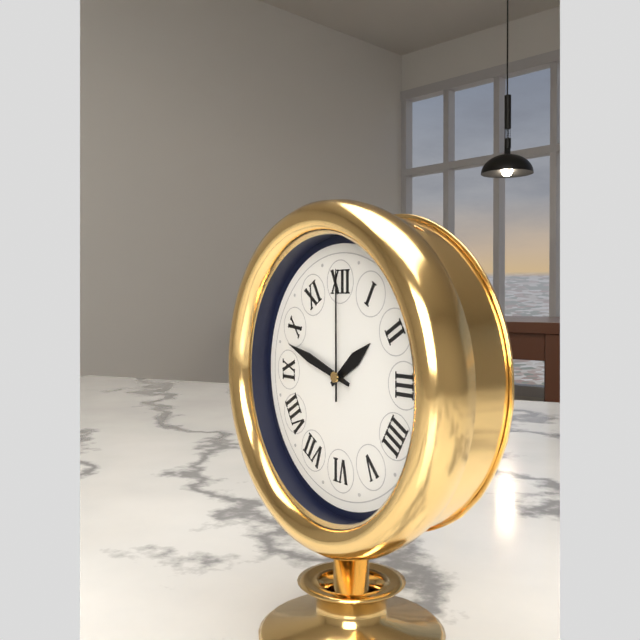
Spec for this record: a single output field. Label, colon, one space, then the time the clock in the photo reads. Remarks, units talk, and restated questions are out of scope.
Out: 1:48:00
